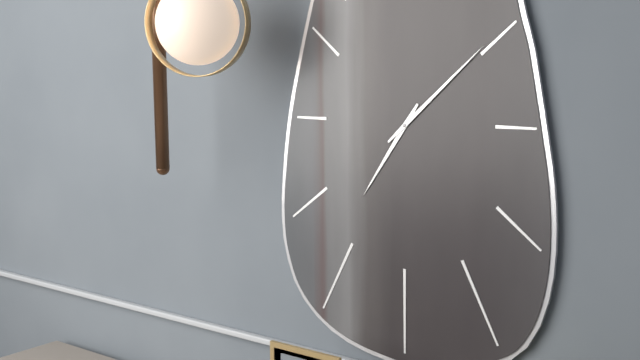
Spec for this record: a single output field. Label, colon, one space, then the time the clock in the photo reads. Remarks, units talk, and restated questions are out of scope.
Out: 7:08
